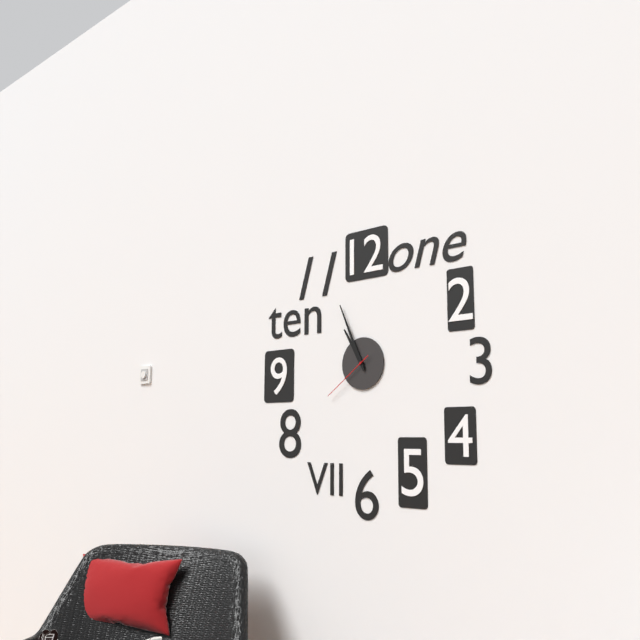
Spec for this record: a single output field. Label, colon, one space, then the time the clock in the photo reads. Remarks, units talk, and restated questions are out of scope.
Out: 10:56:39
